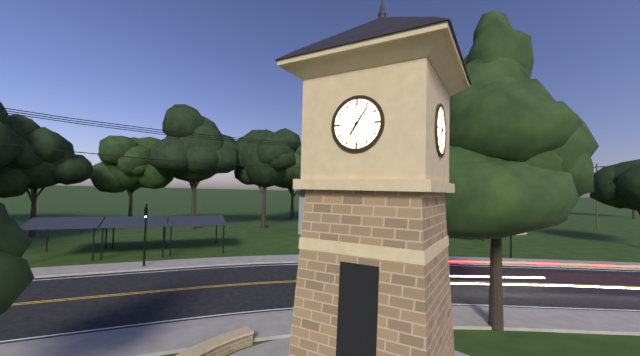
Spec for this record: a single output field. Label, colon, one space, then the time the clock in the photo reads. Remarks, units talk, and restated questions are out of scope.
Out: 7:06
